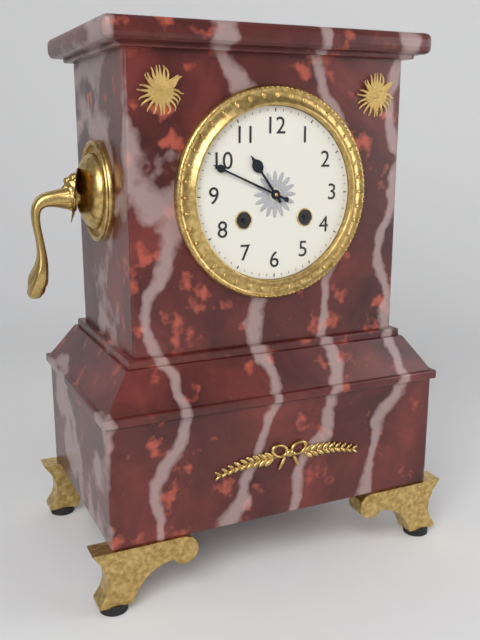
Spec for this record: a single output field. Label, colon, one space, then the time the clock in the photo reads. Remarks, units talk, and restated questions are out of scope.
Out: 10:49
